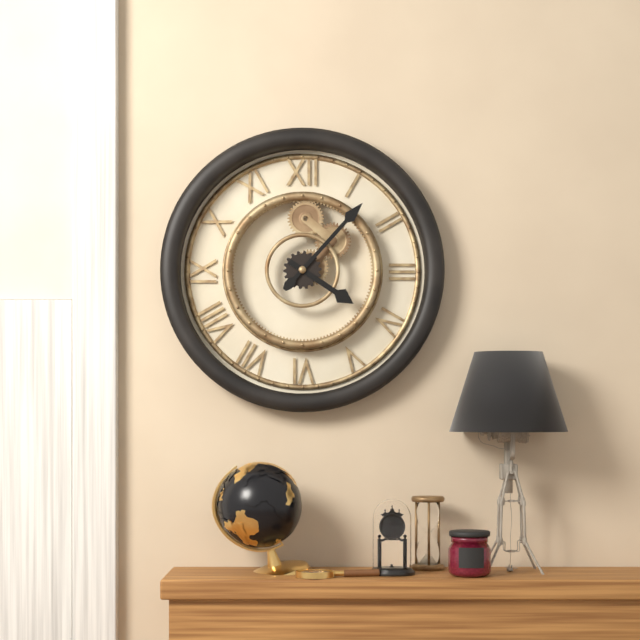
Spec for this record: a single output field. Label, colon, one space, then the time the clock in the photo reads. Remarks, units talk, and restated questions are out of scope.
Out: 4:07
